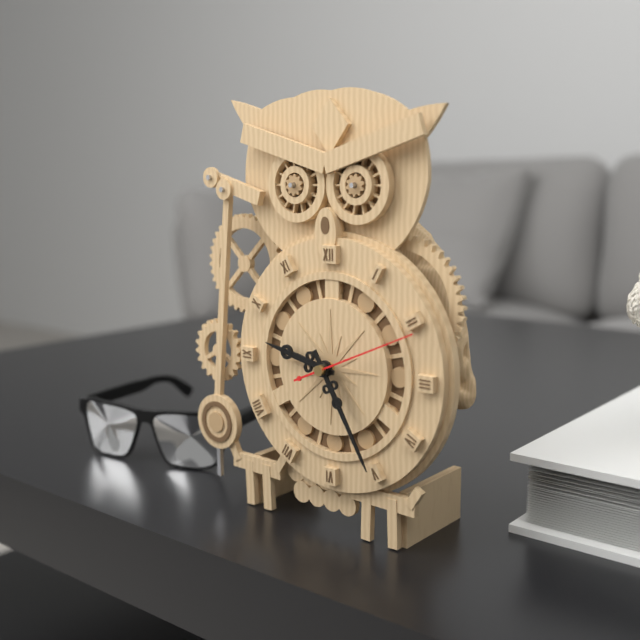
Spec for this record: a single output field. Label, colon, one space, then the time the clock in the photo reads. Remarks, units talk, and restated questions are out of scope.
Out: 9:25:11
